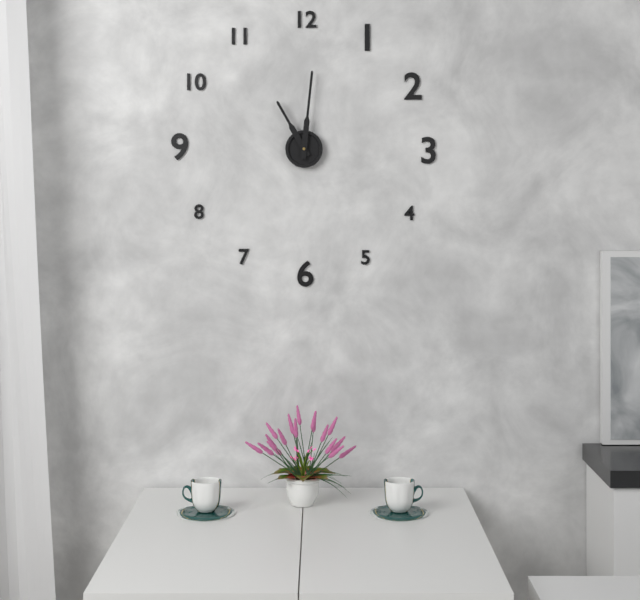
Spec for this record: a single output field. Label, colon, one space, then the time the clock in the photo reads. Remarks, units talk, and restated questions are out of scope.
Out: 11:01
